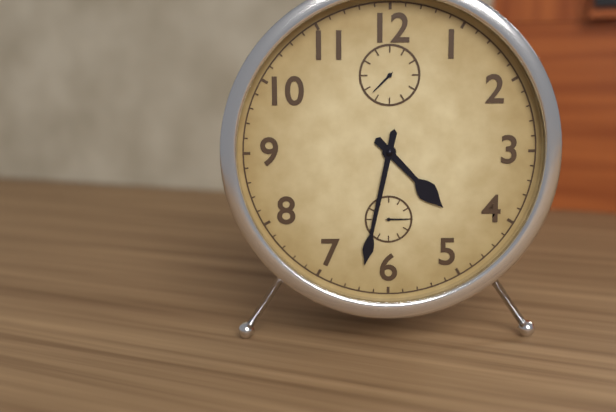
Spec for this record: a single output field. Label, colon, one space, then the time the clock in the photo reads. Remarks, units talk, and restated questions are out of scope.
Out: 4:32
